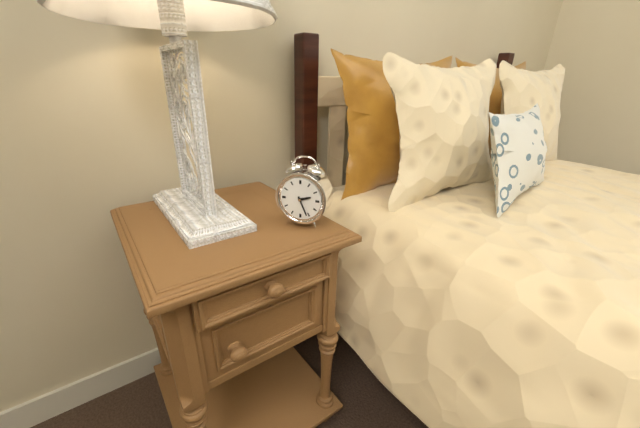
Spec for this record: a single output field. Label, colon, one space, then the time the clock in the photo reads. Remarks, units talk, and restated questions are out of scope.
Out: 2:26
